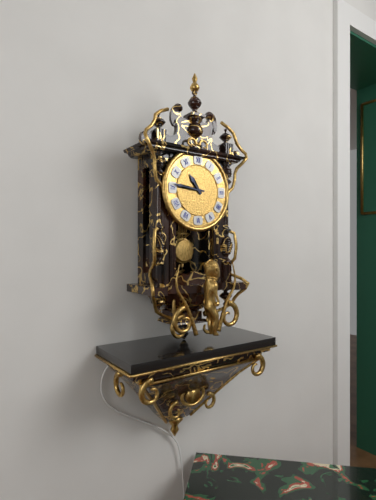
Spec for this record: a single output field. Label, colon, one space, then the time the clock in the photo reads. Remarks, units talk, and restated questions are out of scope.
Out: 10:46
